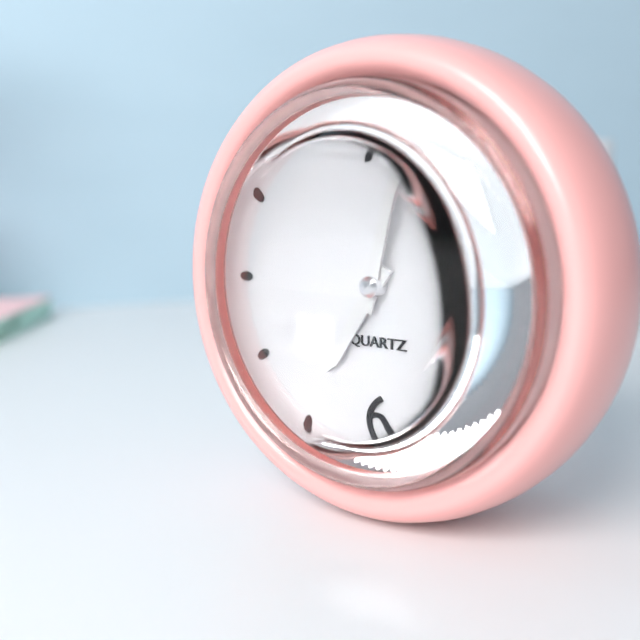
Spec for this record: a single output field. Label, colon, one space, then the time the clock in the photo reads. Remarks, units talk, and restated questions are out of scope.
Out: 7:02
